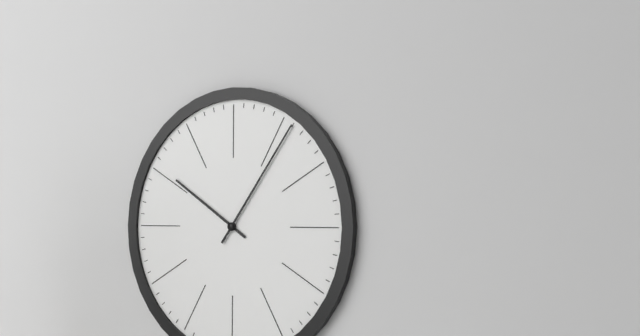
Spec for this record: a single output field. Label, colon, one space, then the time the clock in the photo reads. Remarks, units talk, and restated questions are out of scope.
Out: 10:06
